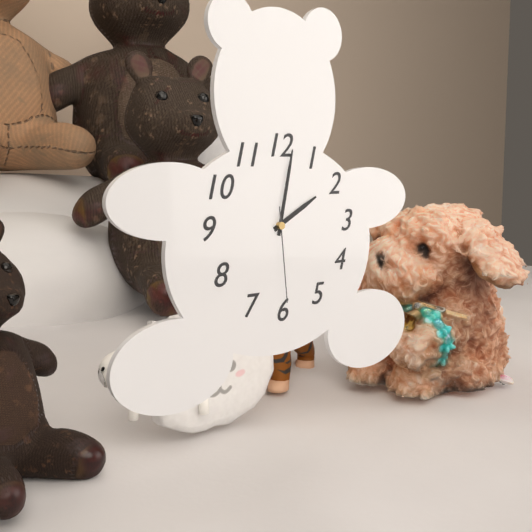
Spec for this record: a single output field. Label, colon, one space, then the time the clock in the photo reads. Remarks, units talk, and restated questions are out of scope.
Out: 2:02:29
